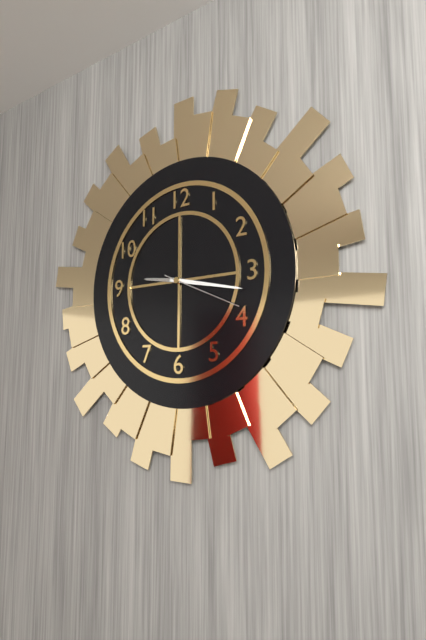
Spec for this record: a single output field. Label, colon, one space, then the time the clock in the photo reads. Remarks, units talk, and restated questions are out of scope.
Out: 9:17:19
